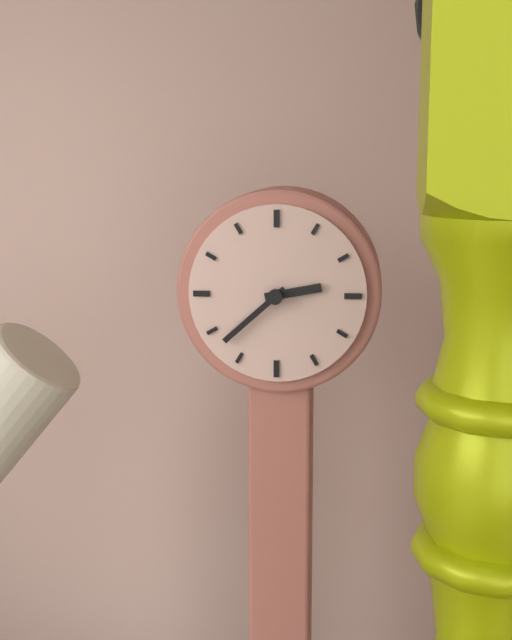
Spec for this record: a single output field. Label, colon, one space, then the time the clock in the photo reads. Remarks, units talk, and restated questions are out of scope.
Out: 2:38
